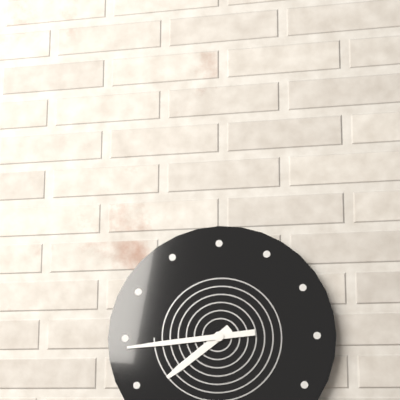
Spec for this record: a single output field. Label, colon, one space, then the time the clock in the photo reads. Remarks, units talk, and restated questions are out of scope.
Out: 7:44
